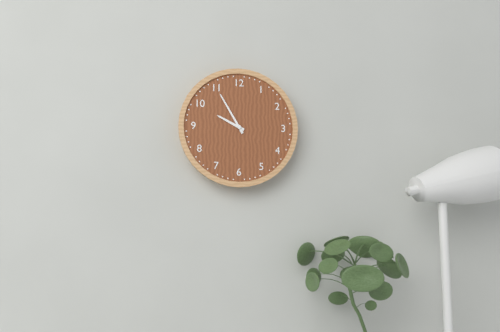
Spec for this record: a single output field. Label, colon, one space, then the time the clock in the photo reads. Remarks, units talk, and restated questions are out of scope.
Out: 9:55
